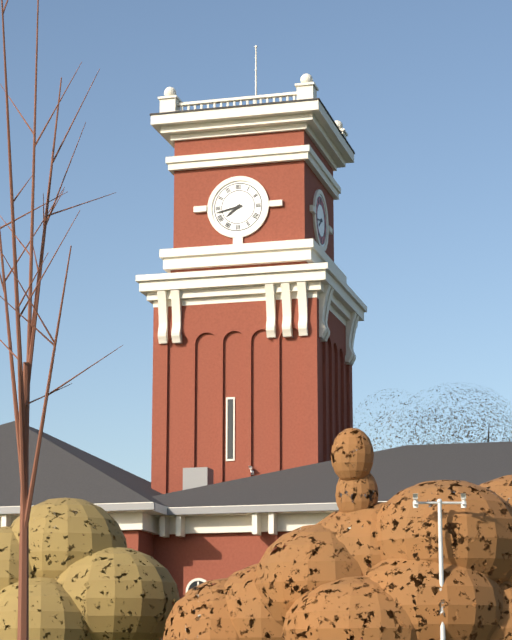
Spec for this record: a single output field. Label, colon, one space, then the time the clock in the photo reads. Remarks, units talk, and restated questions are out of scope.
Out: 7:43
